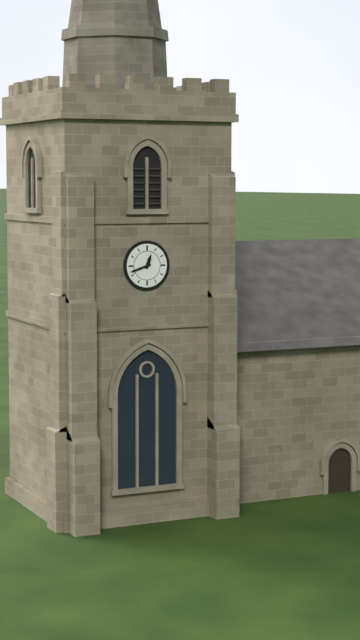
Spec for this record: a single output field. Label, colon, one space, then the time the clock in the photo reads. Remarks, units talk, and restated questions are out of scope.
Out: 12:42
